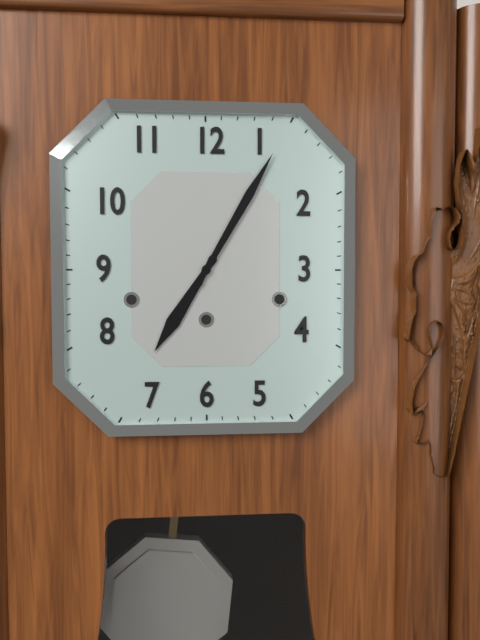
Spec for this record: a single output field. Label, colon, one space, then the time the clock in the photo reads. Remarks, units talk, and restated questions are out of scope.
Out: 7:05
